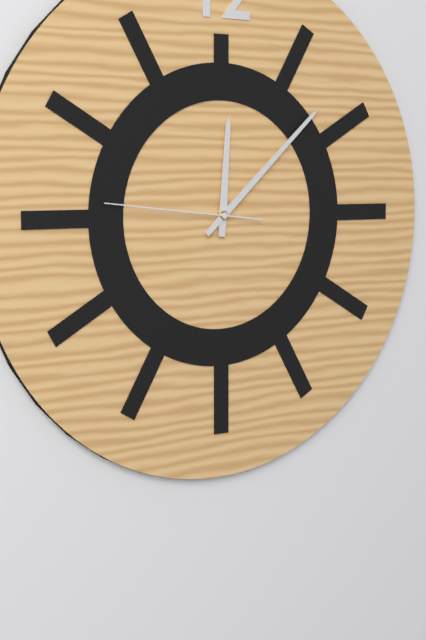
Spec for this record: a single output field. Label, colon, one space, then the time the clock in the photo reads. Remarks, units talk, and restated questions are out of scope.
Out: 12:08:46
